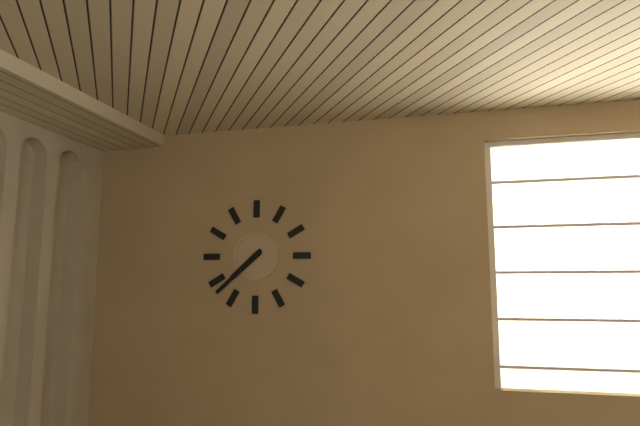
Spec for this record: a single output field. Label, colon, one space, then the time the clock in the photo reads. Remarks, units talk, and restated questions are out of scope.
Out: 7:38
